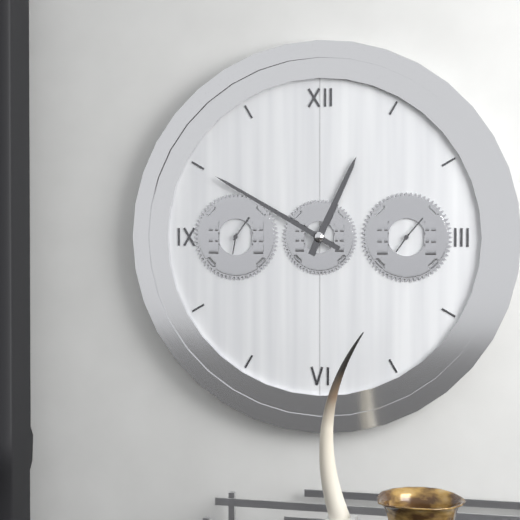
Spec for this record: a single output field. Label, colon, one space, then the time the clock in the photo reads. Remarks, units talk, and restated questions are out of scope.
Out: 12:50
